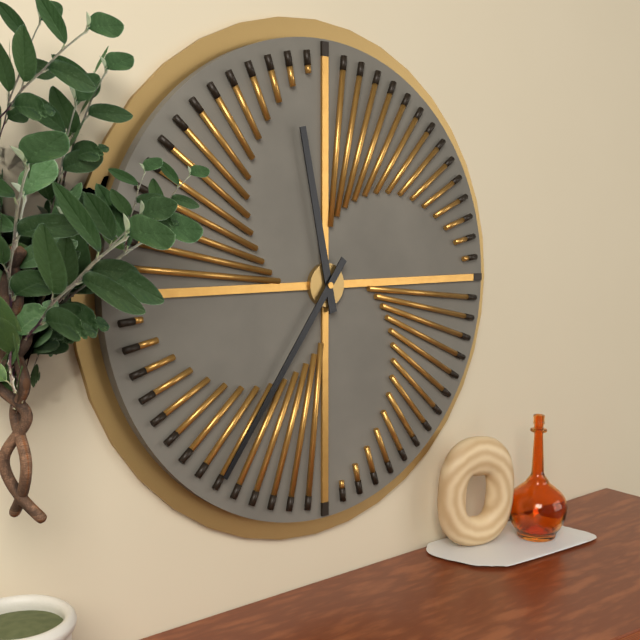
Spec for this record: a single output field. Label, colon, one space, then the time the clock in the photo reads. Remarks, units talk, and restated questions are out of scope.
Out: 11:36
